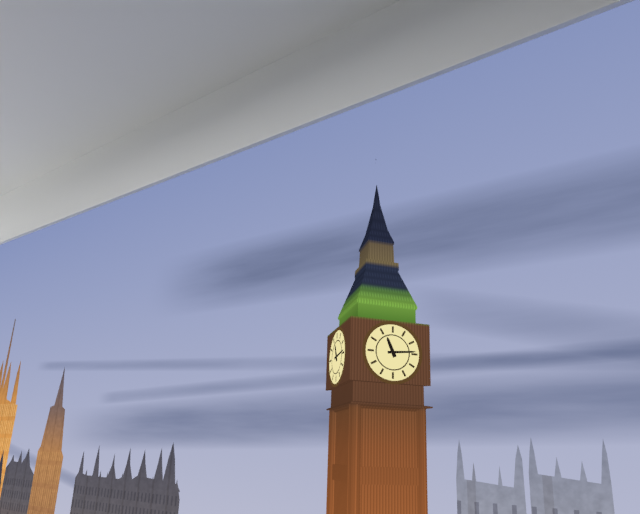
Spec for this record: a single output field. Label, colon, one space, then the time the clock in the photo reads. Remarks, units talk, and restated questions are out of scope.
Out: 11:14
